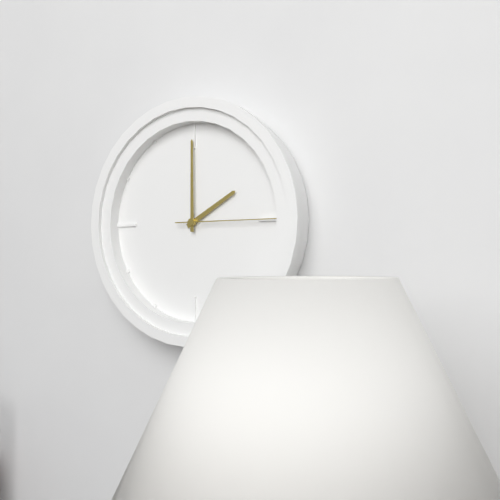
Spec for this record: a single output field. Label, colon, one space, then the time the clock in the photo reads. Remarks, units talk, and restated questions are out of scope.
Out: 2:00:15
